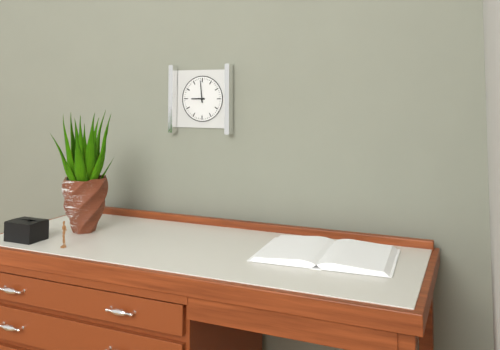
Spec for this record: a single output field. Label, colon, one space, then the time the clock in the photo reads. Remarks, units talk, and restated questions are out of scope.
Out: 8:59
